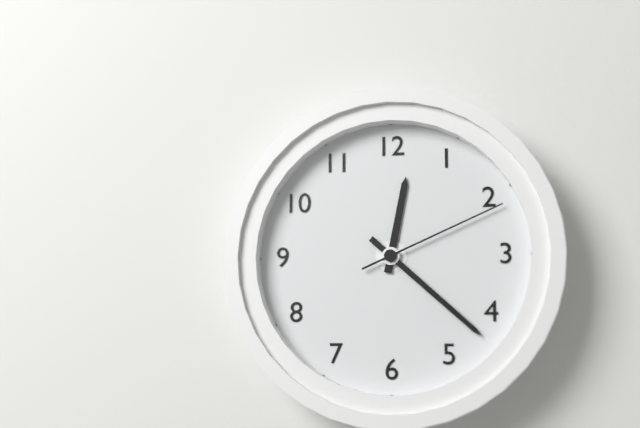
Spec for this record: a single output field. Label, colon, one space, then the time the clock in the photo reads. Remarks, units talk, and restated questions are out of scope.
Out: 12:22:11
